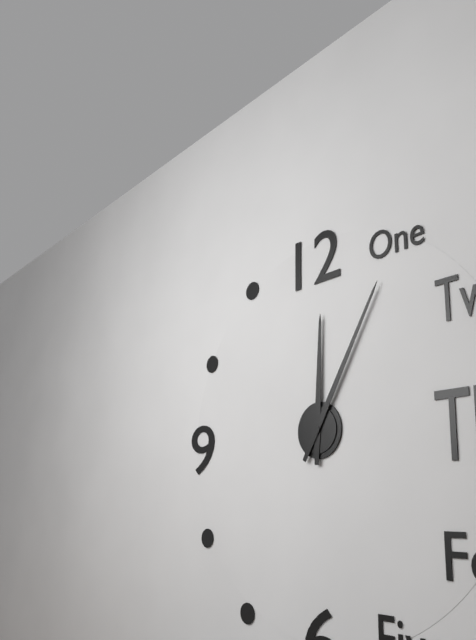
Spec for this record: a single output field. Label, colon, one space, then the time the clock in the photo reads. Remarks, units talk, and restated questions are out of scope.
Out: 12:05
